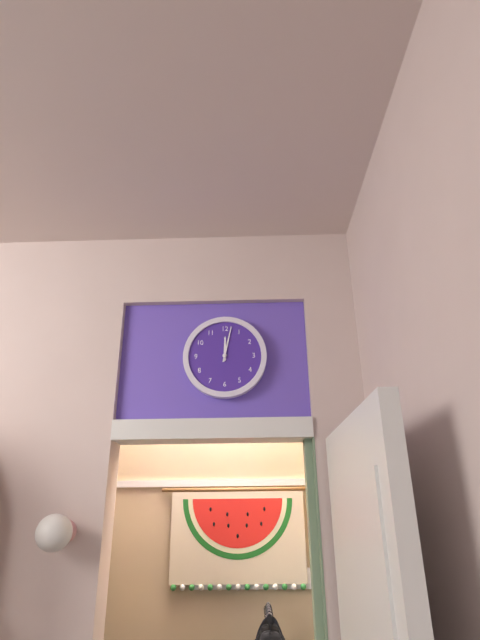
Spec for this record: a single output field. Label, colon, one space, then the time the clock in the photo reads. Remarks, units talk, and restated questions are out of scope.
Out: 12:02
